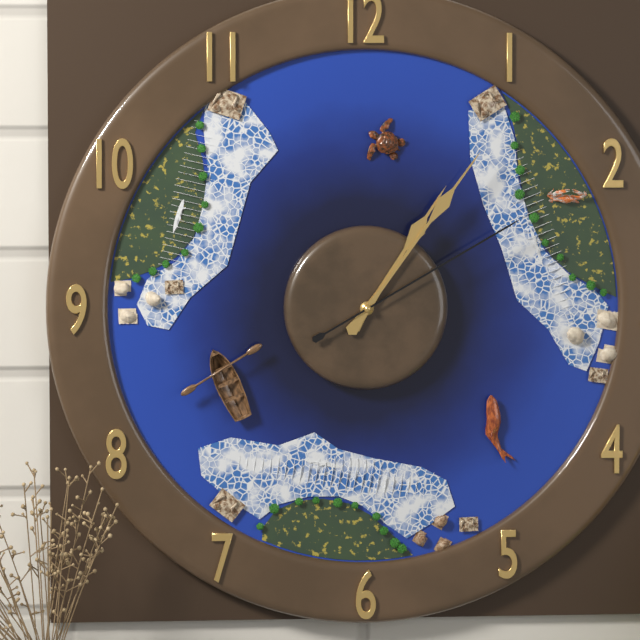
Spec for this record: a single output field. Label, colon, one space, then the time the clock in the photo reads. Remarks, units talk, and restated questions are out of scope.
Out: 1:06:10
